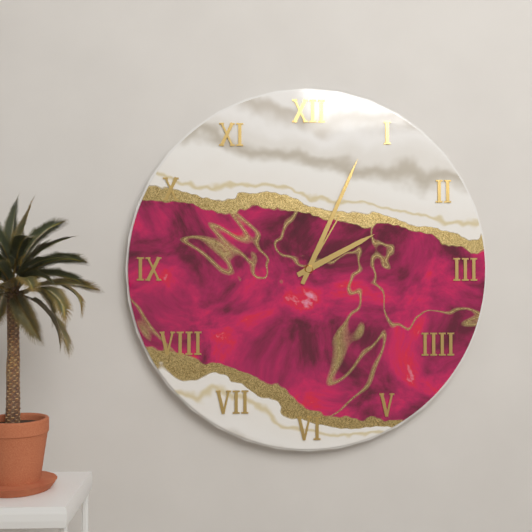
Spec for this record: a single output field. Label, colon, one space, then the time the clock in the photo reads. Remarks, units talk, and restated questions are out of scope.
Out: 2:04:05
